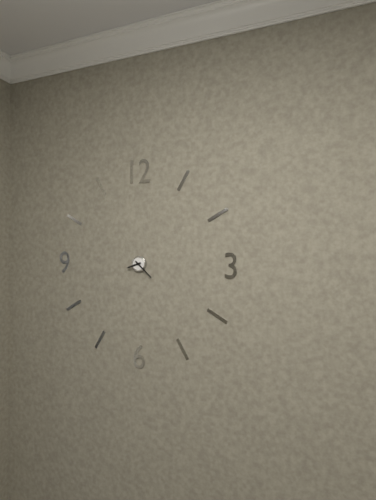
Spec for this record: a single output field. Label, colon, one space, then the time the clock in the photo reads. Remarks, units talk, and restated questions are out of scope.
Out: 8:22
